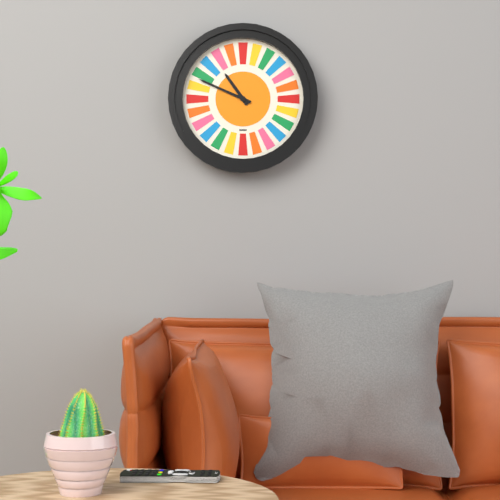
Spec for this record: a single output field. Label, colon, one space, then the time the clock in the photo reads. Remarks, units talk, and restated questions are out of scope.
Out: 10:49
